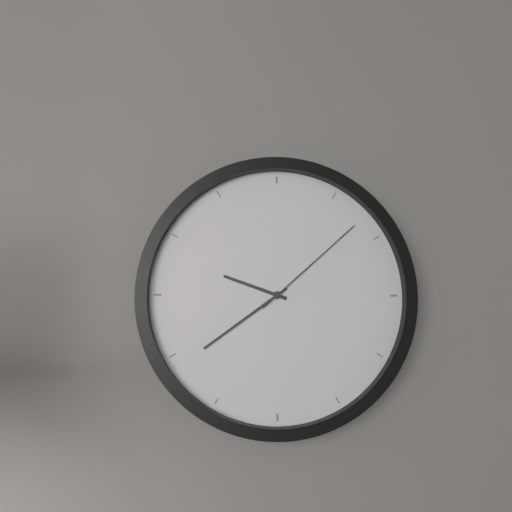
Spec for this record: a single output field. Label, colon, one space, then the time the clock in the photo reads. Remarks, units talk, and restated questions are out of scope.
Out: 9:39:08
